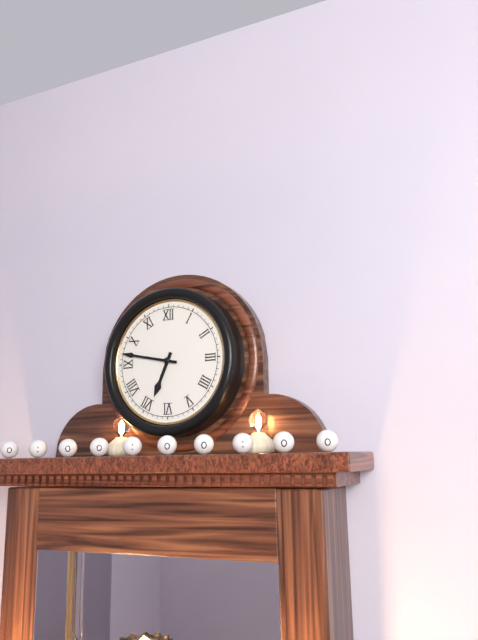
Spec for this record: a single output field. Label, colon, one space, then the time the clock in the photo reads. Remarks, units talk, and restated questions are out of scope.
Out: 6:47
